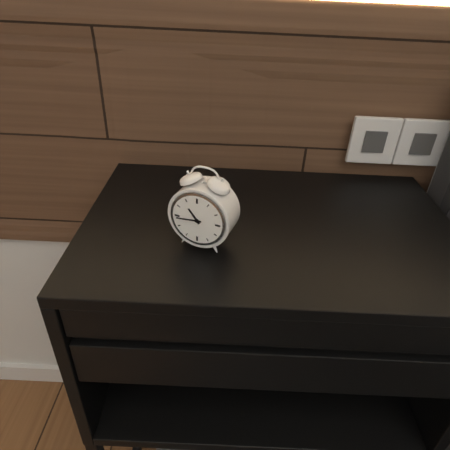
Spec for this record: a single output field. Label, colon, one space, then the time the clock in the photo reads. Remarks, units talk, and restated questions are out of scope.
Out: 10:44
